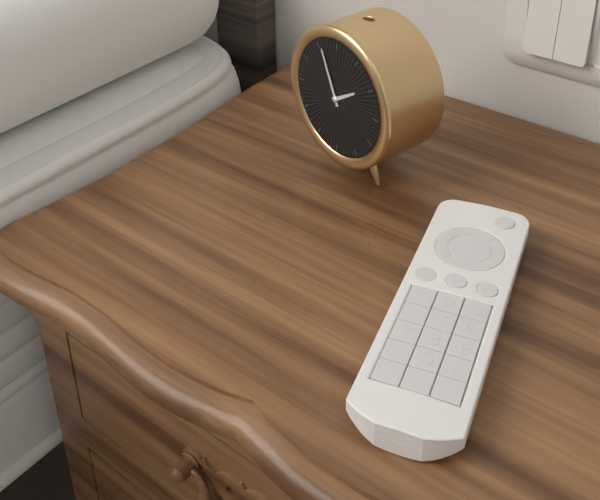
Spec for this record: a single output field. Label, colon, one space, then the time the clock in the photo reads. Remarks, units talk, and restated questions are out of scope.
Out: 1:56
